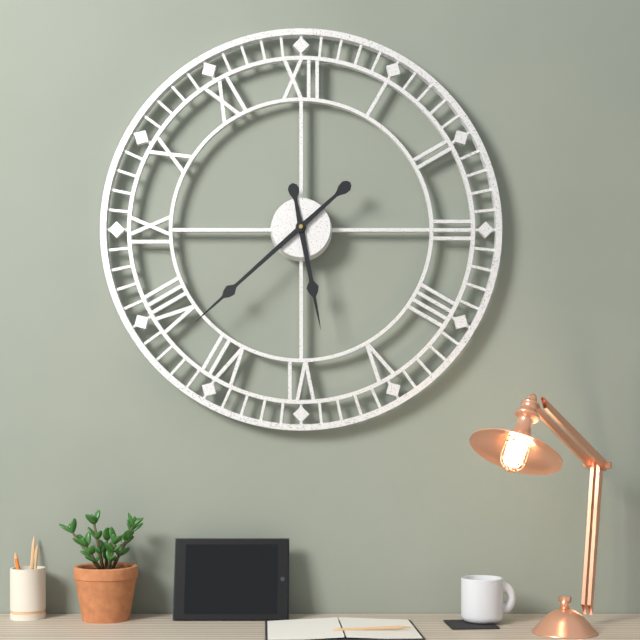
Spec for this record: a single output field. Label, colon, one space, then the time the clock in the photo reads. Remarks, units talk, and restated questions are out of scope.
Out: 5:38
